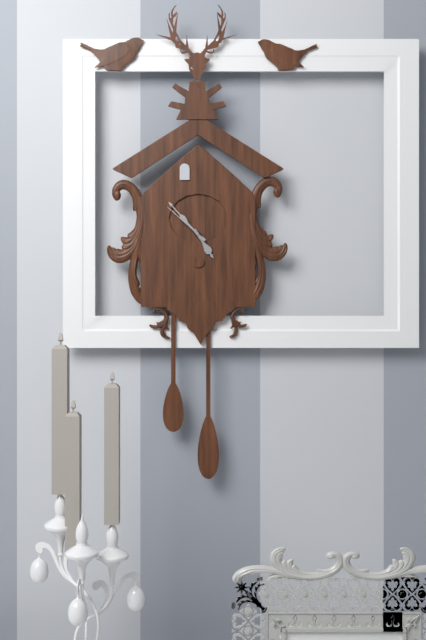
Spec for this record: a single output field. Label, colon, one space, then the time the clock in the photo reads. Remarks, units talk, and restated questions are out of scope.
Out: 4:53:52
